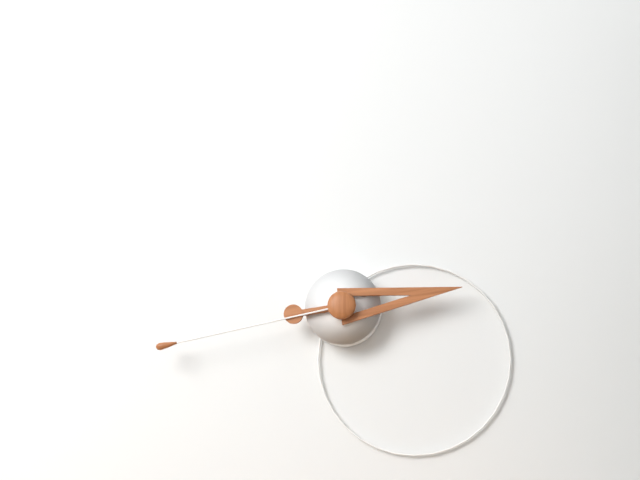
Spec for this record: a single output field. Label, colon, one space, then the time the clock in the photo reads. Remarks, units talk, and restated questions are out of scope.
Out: 2:43
